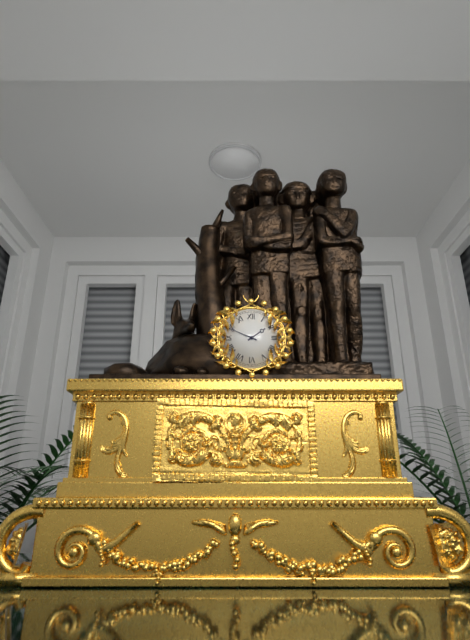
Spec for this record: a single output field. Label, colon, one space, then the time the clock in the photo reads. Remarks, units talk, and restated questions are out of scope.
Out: 1:49
